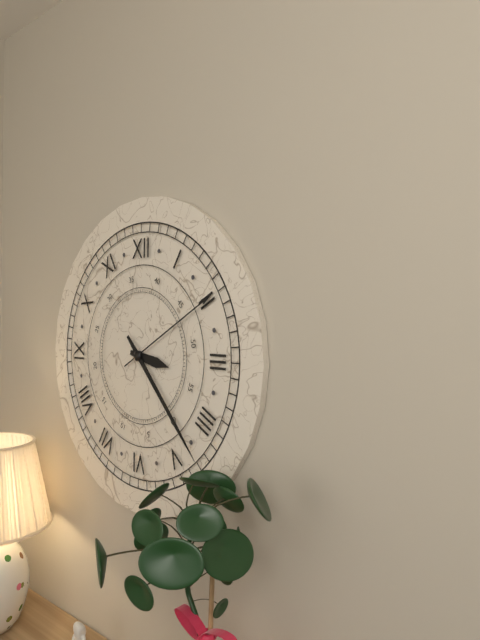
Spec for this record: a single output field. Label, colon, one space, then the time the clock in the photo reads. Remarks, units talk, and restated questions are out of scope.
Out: 3:23:10
